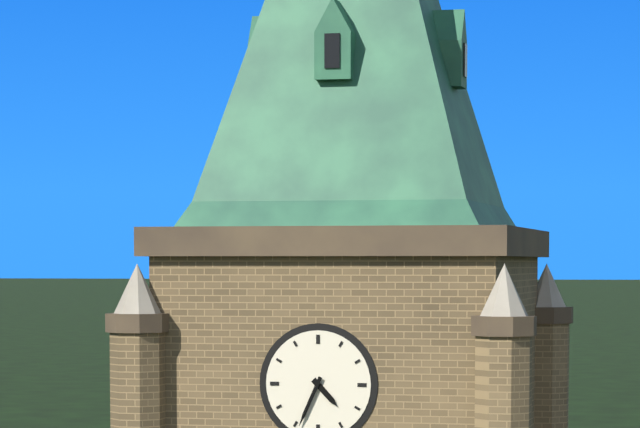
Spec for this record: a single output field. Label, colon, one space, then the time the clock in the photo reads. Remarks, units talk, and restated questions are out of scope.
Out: 4:34
